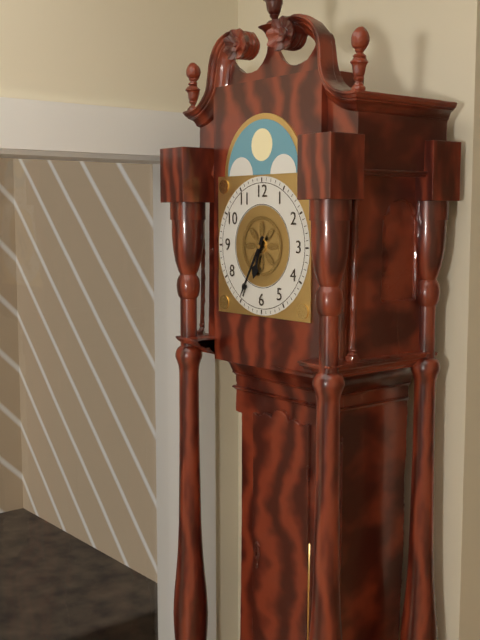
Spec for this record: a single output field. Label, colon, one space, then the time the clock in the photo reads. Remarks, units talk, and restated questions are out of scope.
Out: 6:35
